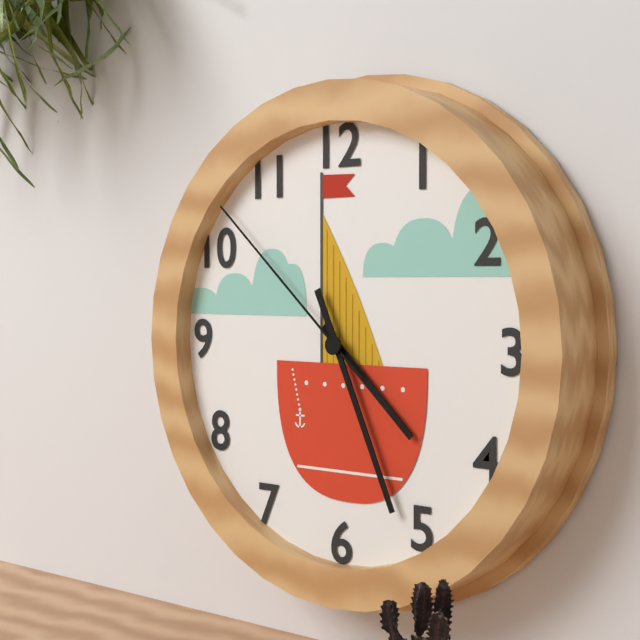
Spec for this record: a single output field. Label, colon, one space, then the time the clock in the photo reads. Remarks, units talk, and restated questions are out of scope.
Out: 4:26:52
